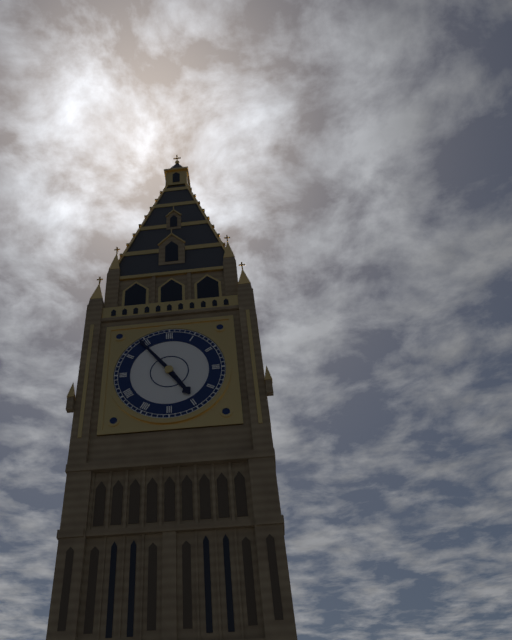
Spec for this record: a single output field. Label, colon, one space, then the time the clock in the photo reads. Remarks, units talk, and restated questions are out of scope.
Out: 4:54
